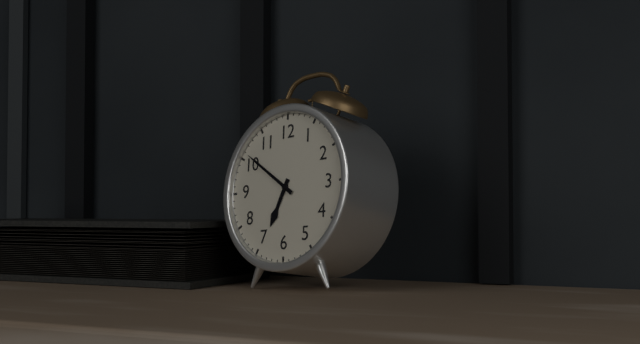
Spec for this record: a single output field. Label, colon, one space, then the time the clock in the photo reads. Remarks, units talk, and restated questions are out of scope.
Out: 6:51
